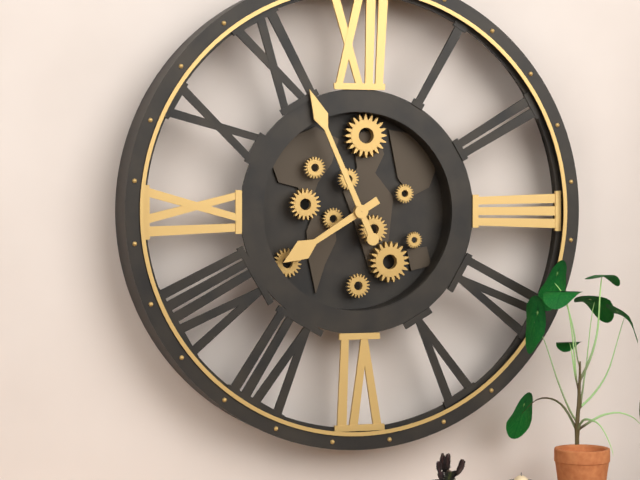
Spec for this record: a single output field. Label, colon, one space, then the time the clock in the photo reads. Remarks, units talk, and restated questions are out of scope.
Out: 7:56
